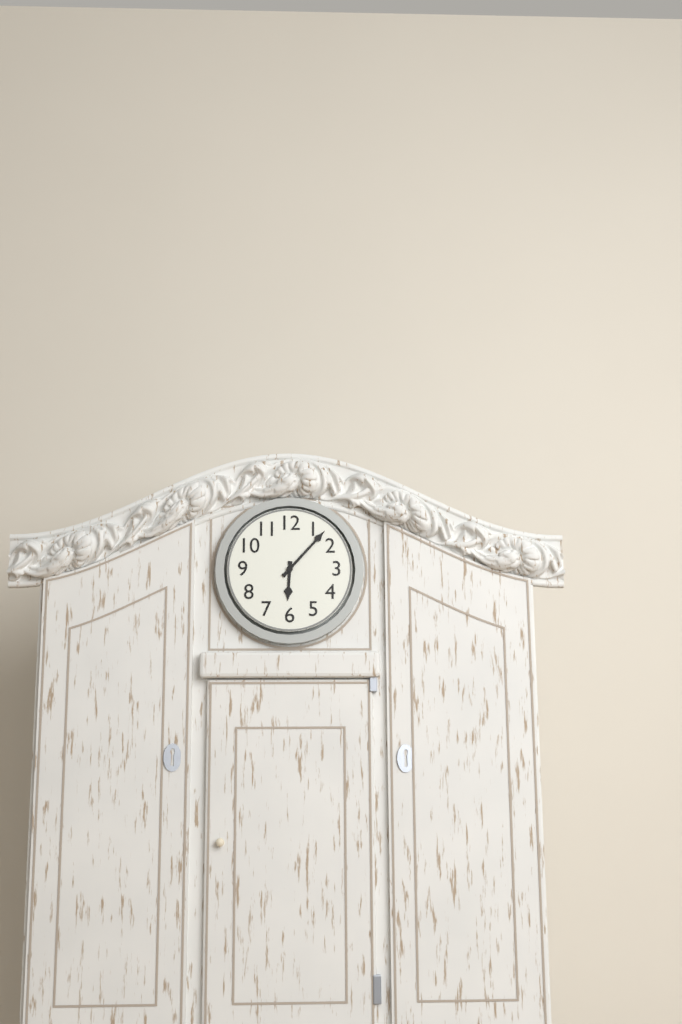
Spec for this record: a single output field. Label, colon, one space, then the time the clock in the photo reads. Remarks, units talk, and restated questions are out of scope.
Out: 6:07
